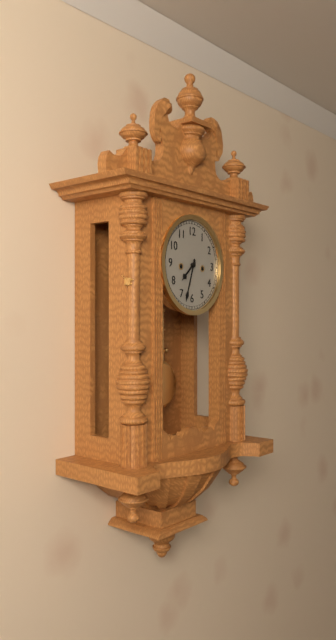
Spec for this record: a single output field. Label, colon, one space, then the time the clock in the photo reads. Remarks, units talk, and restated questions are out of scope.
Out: 7:33
